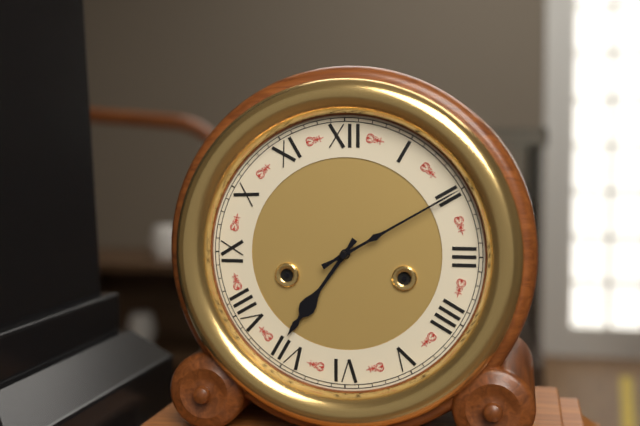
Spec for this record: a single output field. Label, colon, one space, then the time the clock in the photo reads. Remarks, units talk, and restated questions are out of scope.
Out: 7:10
